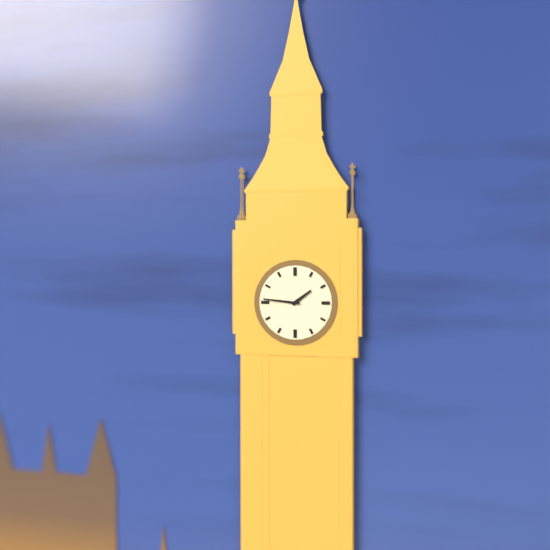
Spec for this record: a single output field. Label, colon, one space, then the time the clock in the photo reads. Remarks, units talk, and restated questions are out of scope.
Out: 1:46
